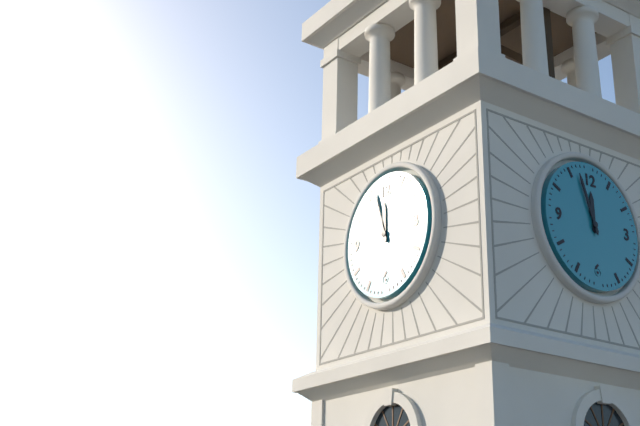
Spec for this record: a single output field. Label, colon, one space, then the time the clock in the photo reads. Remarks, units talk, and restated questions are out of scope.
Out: 11:57
